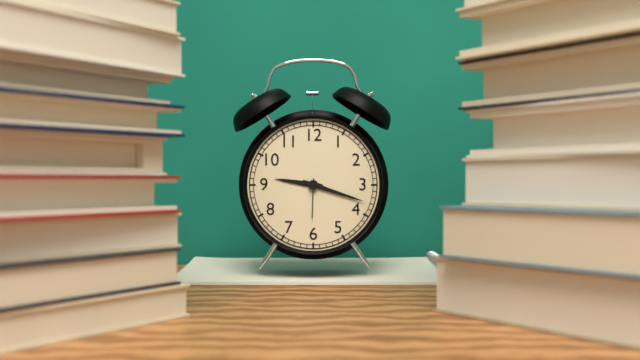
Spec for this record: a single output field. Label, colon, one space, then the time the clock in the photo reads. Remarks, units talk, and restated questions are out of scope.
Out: 9:18
